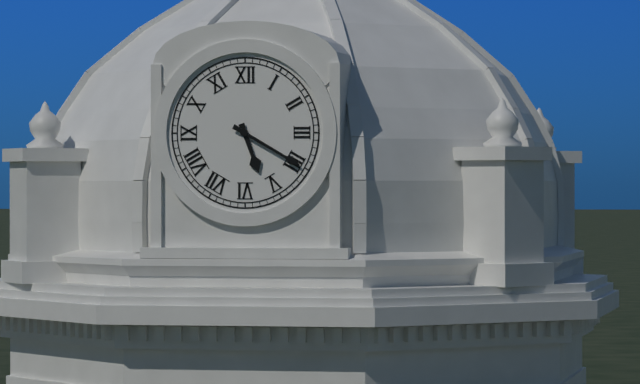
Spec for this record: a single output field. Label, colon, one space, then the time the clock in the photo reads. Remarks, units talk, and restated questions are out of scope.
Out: 5:20
